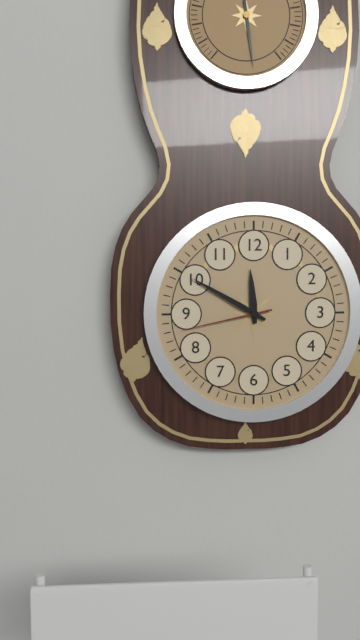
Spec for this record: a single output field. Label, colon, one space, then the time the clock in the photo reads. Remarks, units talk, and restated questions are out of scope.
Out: 11:50:43
